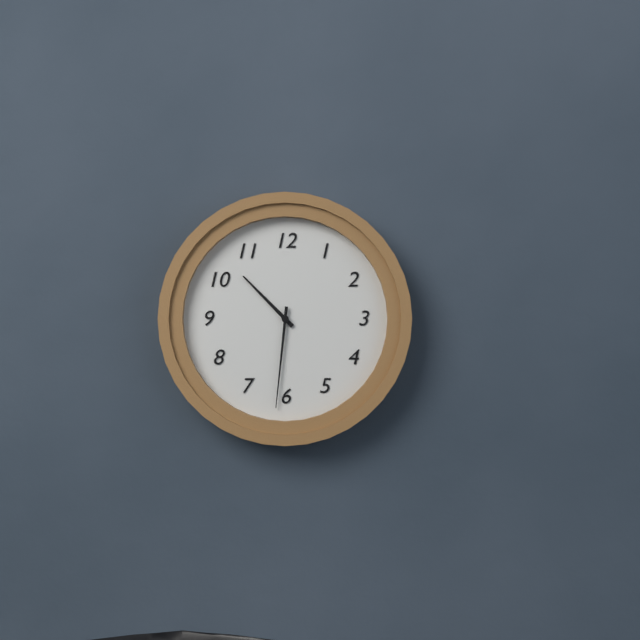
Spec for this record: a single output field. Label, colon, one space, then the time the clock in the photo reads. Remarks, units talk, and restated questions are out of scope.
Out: 10:31
